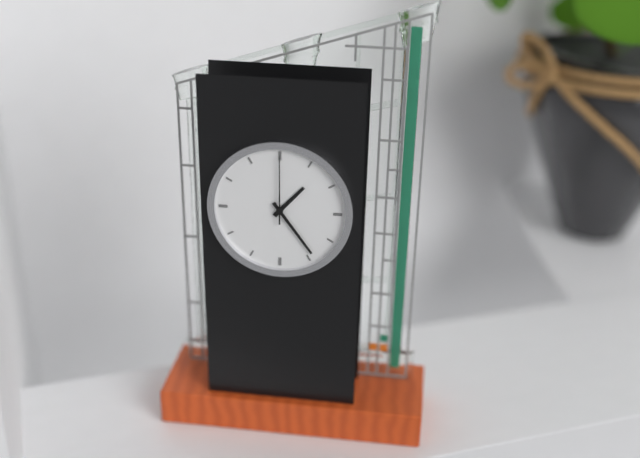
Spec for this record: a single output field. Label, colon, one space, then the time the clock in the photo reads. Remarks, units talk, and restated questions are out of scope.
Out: 1:24:00
